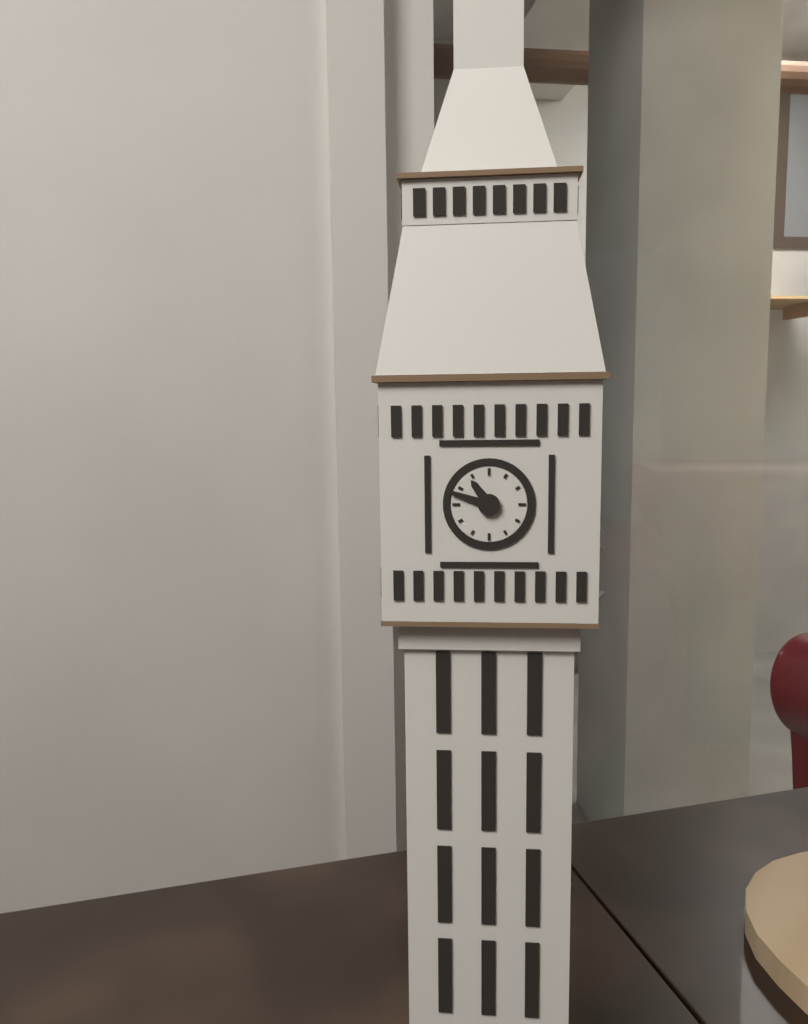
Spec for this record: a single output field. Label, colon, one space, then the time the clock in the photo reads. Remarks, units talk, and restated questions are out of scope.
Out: 10:48
